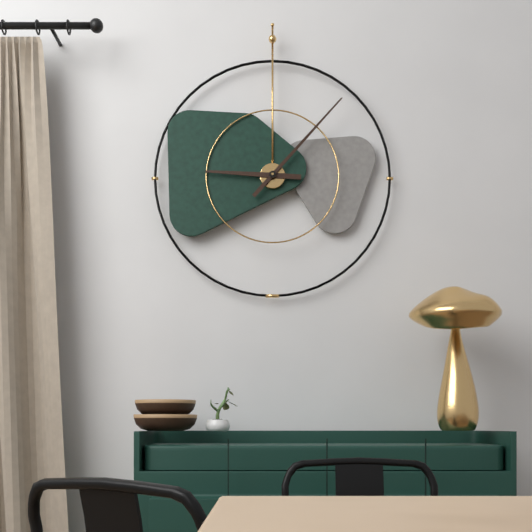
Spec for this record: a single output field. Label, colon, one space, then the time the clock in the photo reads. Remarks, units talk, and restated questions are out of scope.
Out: 9:07
